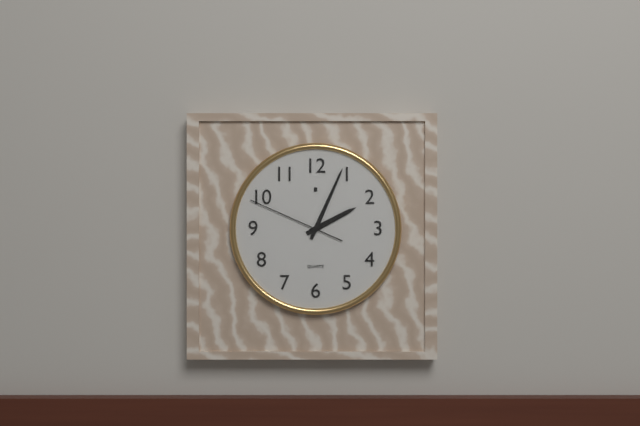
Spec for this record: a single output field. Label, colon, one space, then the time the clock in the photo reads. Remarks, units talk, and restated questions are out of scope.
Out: 2:04:49
